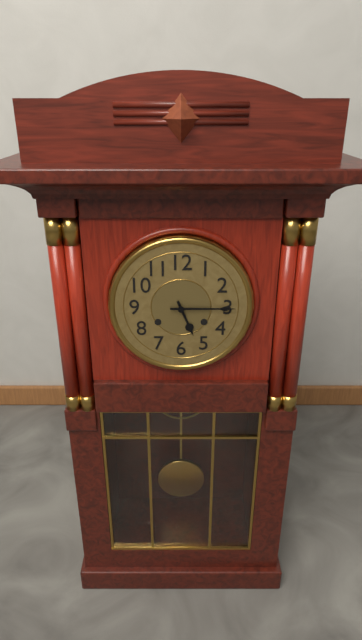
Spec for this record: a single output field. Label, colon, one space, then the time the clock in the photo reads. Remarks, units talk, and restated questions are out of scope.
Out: 5:15
